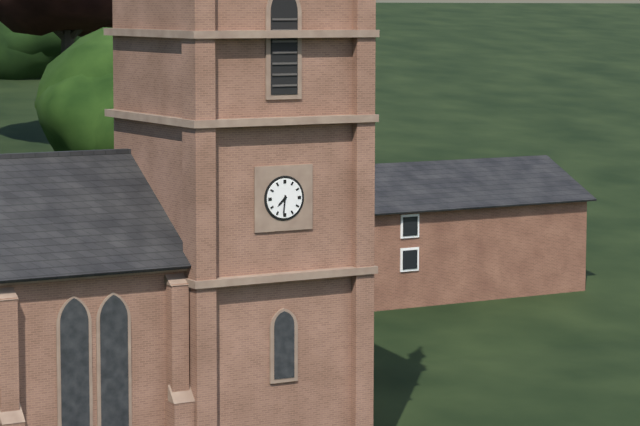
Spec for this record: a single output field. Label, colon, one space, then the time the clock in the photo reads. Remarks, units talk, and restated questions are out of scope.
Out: 7:31
